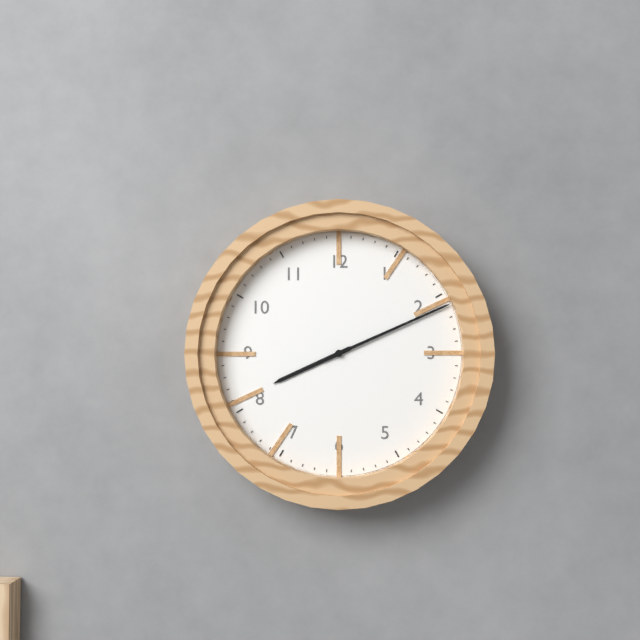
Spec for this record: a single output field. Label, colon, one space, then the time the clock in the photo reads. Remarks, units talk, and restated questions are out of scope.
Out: 8:11
